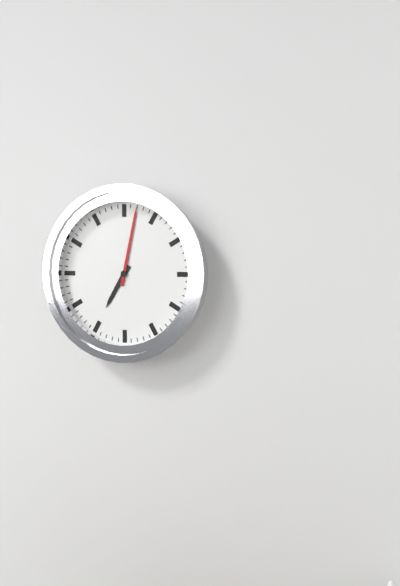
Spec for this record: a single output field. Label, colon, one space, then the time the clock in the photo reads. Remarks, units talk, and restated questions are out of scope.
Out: 7:02
